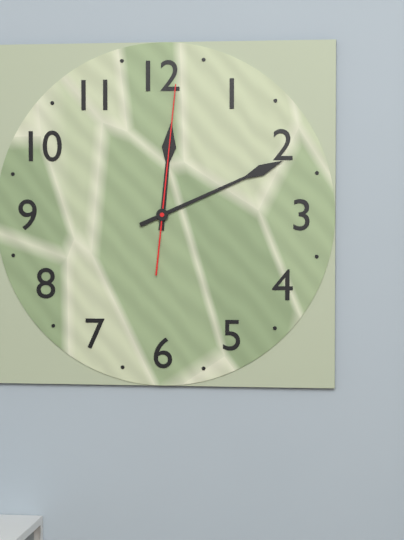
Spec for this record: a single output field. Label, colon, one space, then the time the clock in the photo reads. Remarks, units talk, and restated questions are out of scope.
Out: 12:11:01
